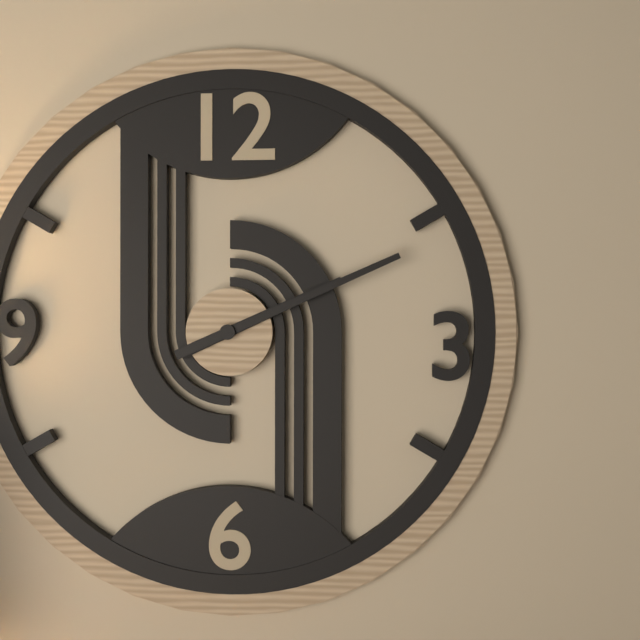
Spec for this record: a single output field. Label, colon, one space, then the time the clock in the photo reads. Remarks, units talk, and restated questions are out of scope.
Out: 2:11
